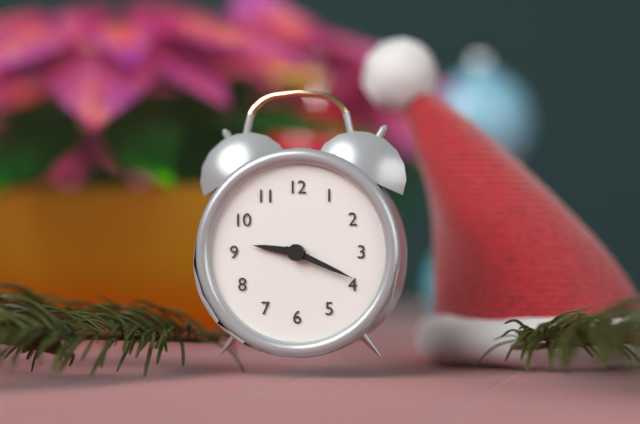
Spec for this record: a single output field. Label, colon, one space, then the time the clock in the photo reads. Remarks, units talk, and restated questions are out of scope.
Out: 9:19
